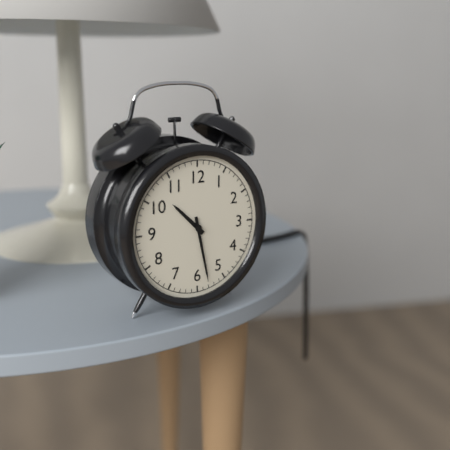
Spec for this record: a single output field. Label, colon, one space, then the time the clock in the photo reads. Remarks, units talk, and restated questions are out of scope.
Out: 10:28
